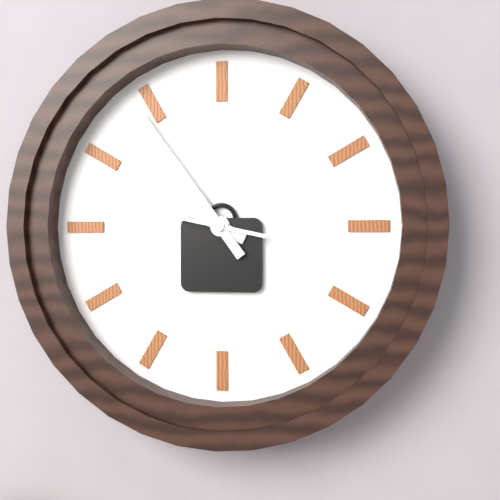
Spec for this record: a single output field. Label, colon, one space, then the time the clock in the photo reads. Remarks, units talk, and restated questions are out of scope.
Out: 9:54:47
